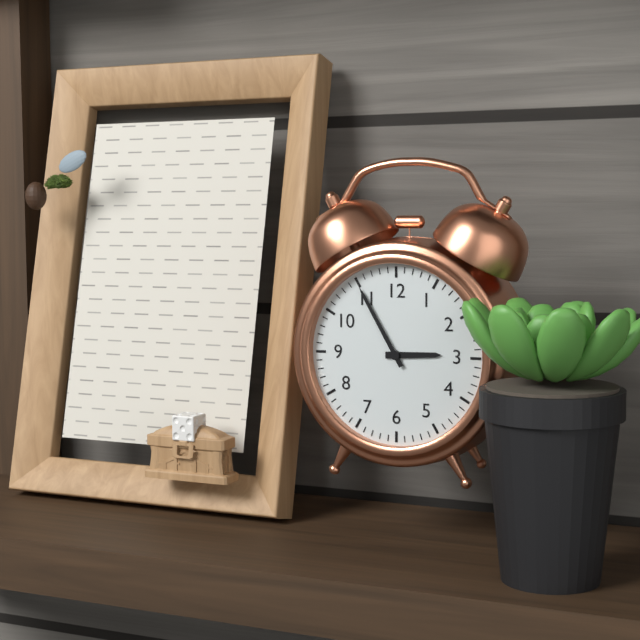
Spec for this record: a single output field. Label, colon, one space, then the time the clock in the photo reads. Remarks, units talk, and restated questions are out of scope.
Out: 2:55
